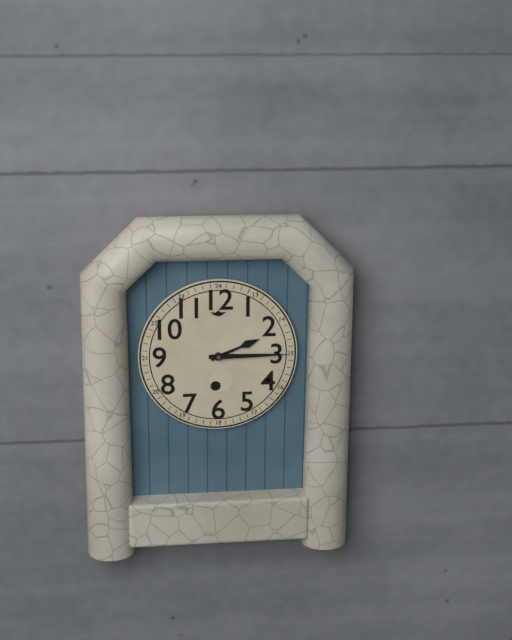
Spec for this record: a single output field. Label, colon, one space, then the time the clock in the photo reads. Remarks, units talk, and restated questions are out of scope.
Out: 2:15
